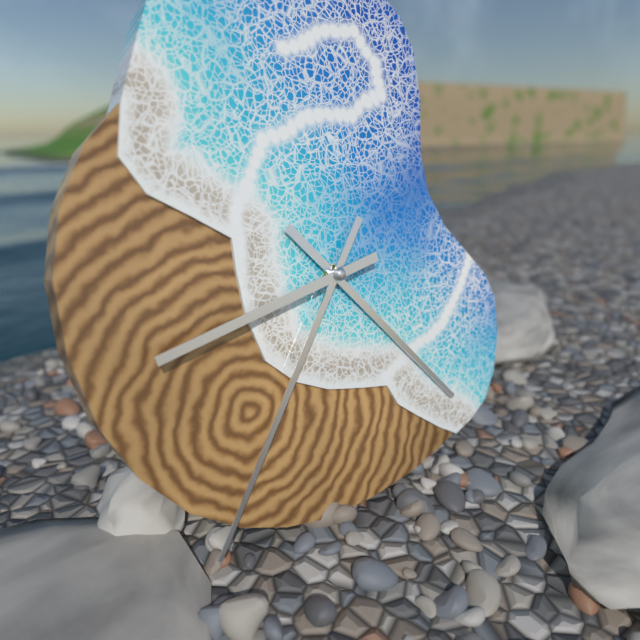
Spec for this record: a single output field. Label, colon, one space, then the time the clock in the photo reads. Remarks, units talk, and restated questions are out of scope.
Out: 4:36:43
